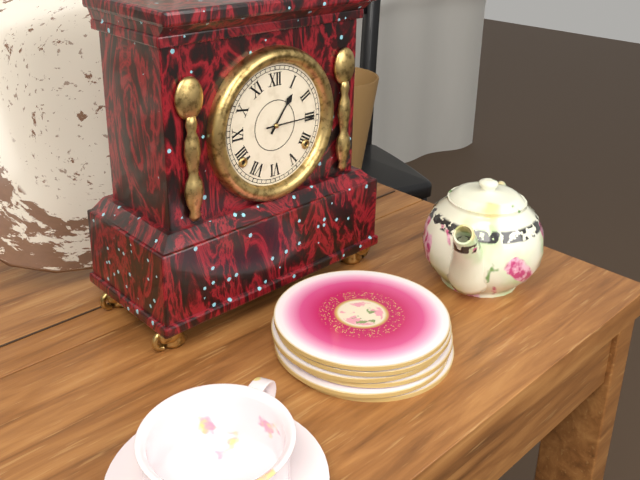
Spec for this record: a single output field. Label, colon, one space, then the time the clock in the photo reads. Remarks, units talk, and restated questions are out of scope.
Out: 1:15
